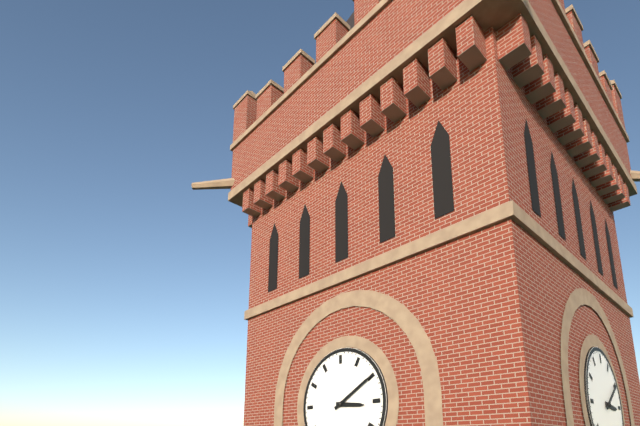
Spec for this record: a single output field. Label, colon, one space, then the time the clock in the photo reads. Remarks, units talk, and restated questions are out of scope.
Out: 3:10
